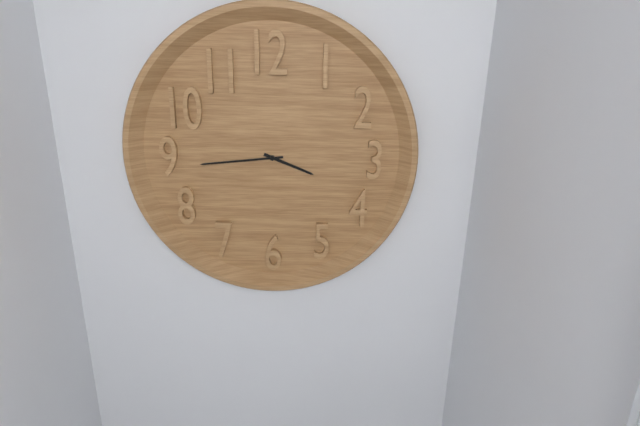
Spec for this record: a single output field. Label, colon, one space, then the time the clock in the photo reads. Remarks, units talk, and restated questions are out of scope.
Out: 3:44
